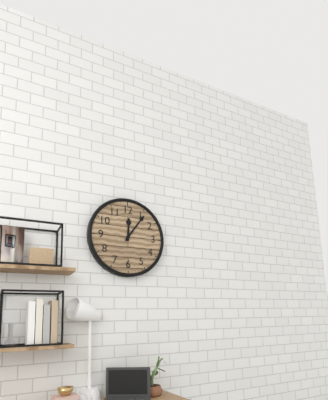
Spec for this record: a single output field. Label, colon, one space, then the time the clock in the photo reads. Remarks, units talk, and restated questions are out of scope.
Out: 12:06
